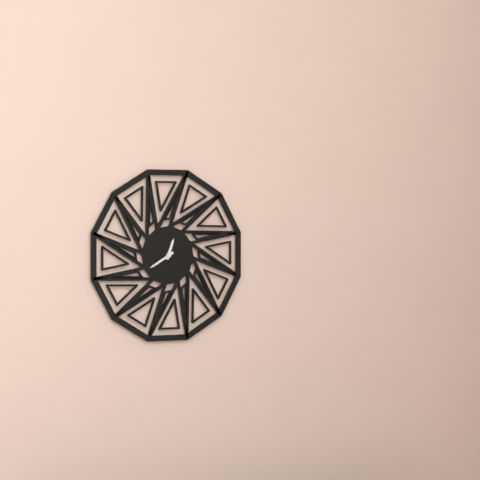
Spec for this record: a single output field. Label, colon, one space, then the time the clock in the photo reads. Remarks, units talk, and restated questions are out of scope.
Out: 12:40
